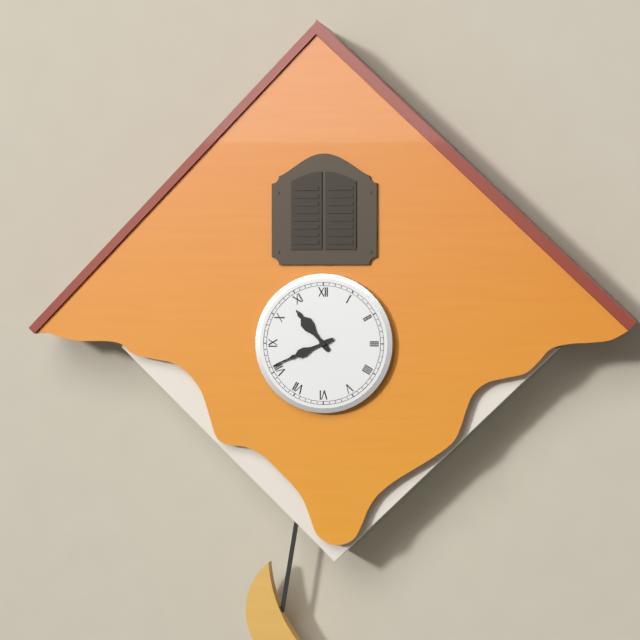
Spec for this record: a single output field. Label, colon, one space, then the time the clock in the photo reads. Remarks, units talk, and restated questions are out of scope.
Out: 10:41
